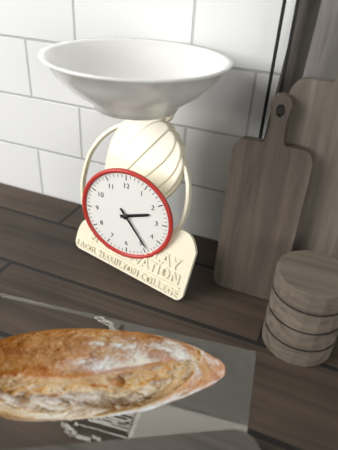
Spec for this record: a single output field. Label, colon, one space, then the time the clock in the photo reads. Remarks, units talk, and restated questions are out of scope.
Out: 2:24
